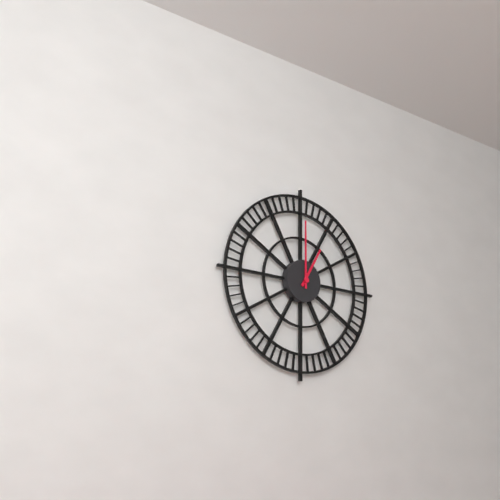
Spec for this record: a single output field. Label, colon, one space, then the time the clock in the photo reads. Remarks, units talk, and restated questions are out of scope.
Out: 1:00
